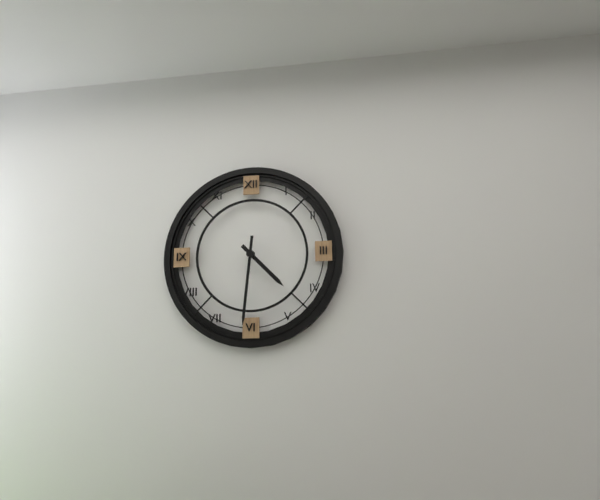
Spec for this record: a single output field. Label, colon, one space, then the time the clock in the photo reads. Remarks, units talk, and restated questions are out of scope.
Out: 4:31
